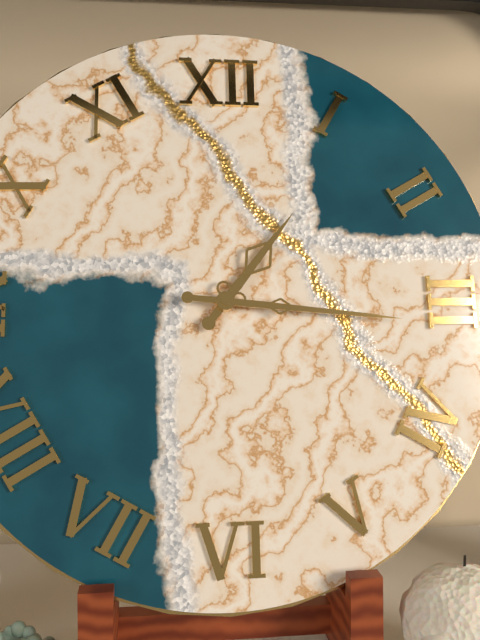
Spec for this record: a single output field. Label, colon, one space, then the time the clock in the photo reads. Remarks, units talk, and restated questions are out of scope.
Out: 1:16
